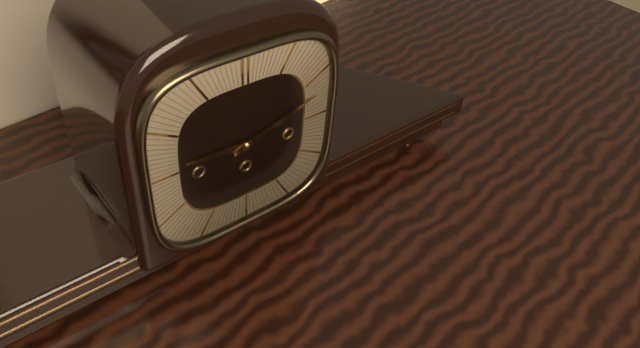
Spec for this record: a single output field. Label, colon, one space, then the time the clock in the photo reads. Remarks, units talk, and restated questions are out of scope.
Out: 9:12
